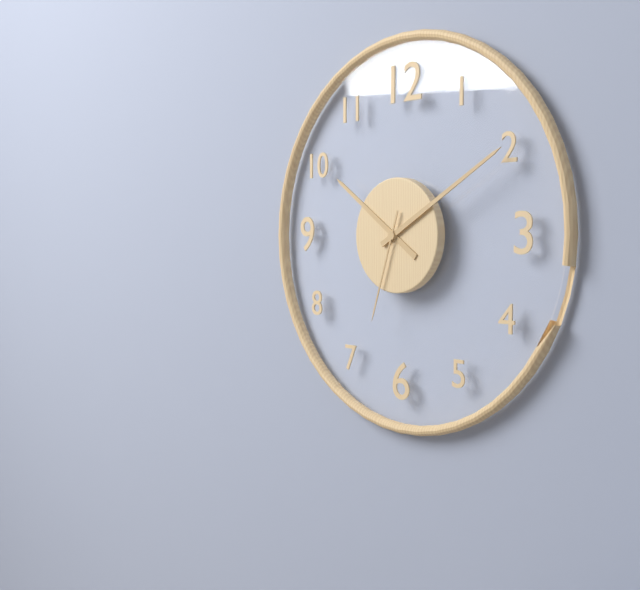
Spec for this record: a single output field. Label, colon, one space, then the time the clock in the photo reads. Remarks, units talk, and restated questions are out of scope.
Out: 10:10:33
